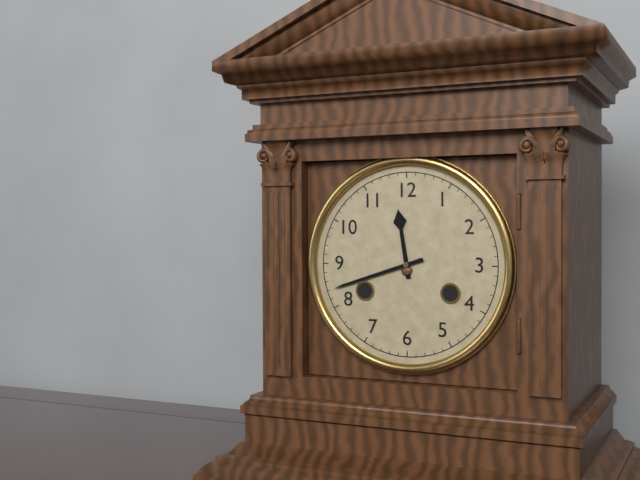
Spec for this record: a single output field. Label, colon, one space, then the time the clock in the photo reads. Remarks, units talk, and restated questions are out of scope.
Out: 11:42
